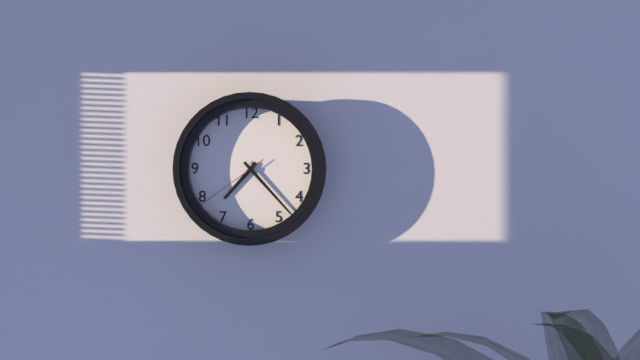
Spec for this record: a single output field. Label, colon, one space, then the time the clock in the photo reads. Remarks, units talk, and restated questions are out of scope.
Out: 7:23:39
